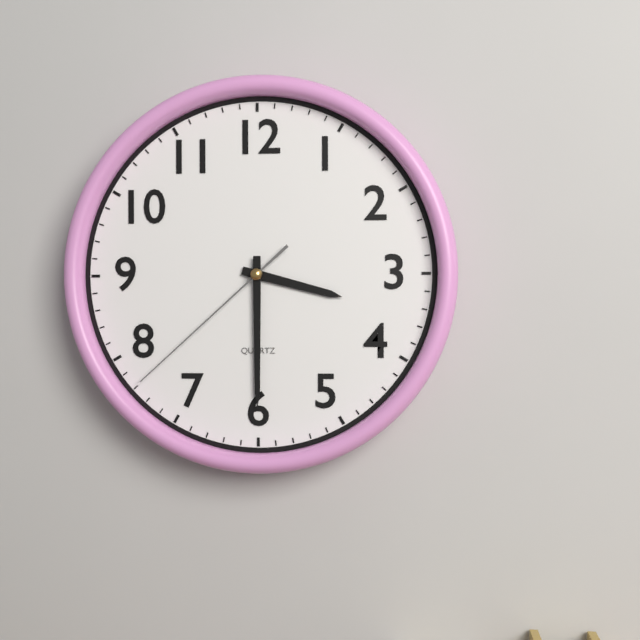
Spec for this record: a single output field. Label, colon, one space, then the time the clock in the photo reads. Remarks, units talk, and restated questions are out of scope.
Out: 3:30:38
